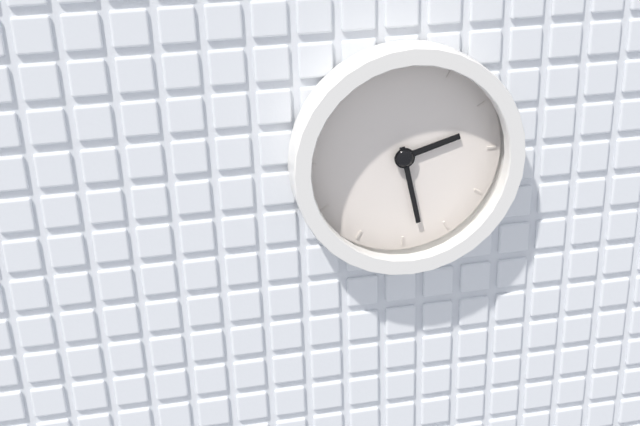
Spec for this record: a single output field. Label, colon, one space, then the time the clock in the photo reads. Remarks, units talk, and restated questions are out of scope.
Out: 2:28
